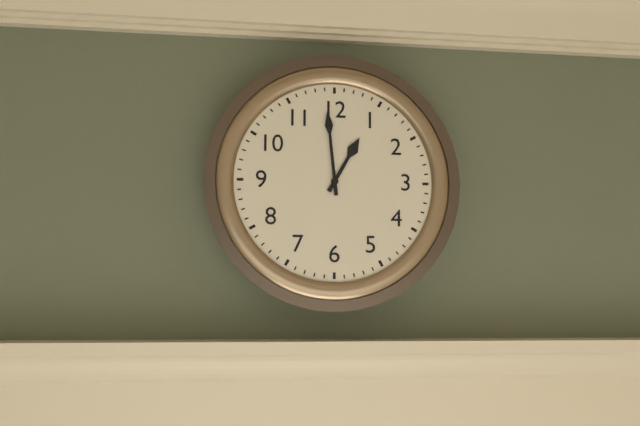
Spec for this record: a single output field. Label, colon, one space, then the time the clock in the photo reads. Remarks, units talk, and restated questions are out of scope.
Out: 12:59
